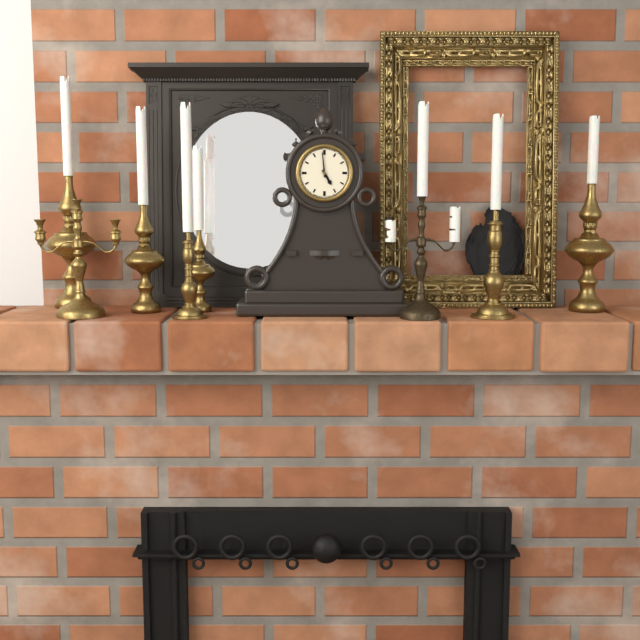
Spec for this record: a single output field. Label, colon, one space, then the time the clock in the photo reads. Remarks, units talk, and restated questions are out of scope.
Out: 4:59
